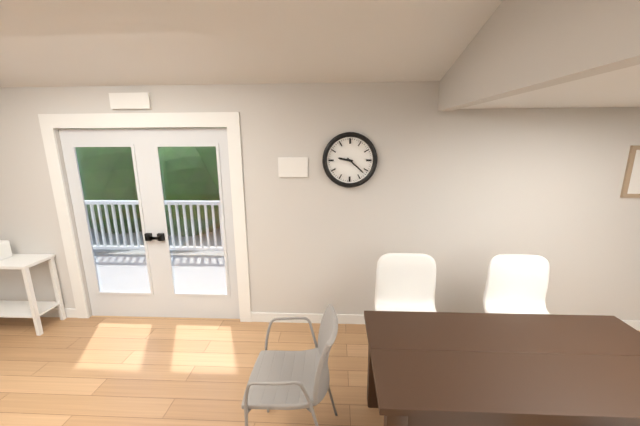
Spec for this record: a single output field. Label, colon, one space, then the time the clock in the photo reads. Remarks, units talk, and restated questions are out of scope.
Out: 9:22
